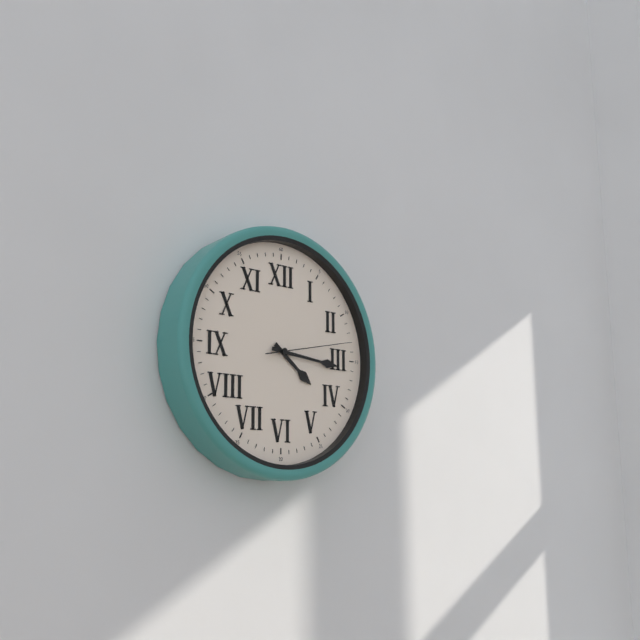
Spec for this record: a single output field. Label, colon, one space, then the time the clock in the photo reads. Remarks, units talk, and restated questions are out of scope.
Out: 4:16:13
